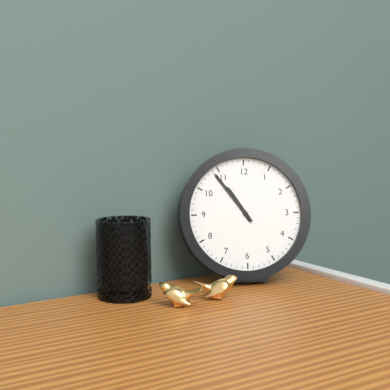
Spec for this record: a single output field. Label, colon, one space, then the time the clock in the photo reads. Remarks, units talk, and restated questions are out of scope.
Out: 10:54
